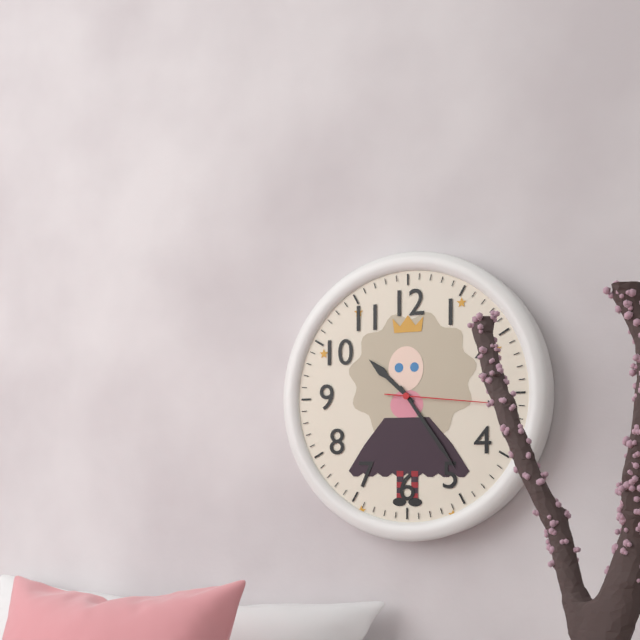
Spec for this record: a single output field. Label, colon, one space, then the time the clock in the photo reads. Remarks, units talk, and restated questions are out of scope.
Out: 10:24:16
